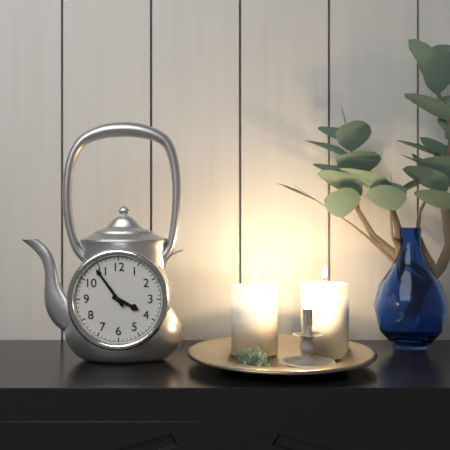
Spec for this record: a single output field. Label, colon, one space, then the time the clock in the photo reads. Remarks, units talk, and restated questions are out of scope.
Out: 3:54
